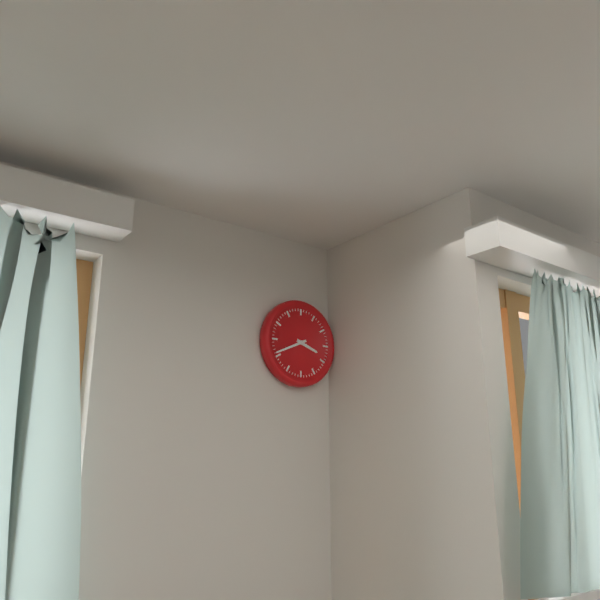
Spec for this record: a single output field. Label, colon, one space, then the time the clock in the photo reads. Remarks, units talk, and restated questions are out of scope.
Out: 3:41
